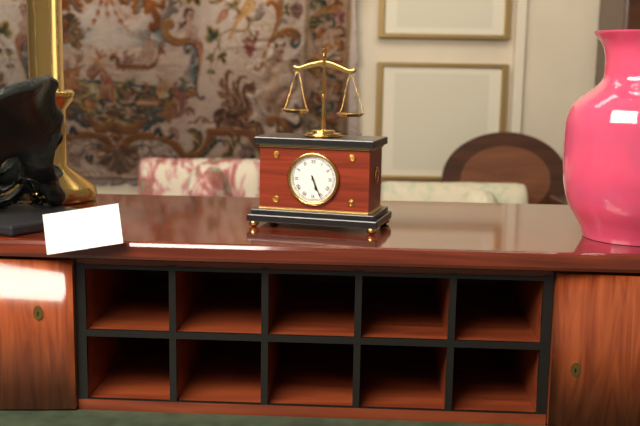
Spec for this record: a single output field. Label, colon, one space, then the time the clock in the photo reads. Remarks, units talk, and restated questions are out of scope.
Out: 5:26
